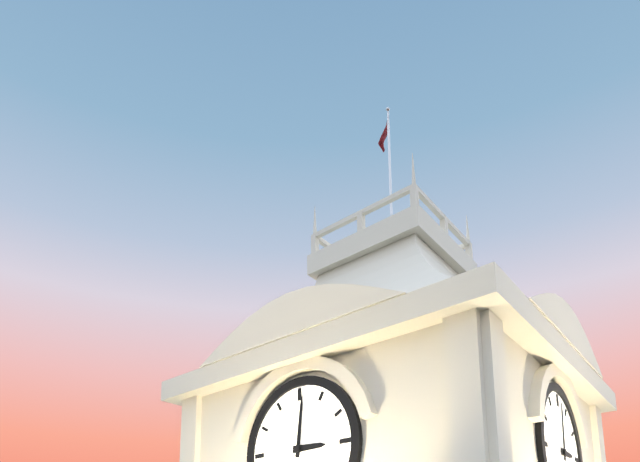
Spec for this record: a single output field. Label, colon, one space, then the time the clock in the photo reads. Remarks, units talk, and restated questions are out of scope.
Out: 3:01
